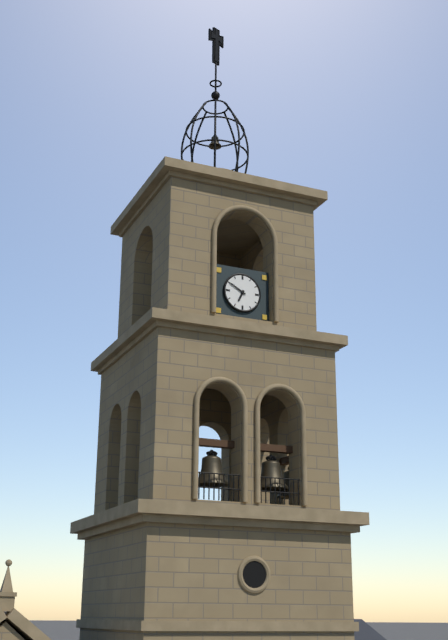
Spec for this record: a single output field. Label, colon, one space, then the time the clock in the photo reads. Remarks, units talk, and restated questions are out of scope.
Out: 6:50
